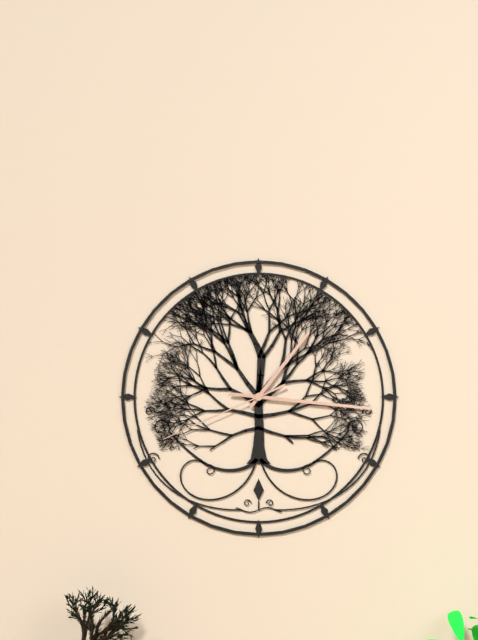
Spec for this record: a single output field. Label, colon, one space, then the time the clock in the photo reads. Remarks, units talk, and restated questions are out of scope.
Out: 1:16:41
